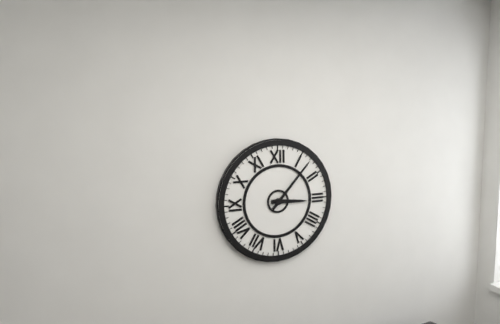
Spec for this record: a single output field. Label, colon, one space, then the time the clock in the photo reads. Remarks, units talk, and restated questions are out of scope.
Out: 3:07
